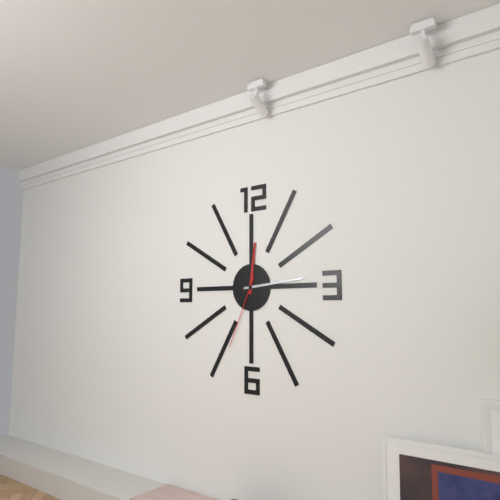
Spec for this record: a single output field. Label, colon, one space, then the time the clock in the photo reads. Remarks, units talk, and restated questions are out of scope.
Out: 12:14:34
